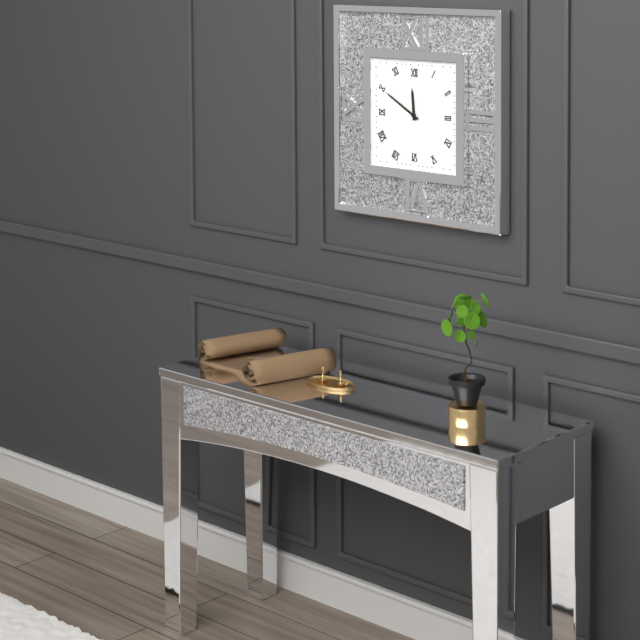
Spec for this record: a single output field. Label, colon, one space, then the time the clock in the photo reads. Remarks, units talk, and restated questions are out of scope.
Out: 11:50
